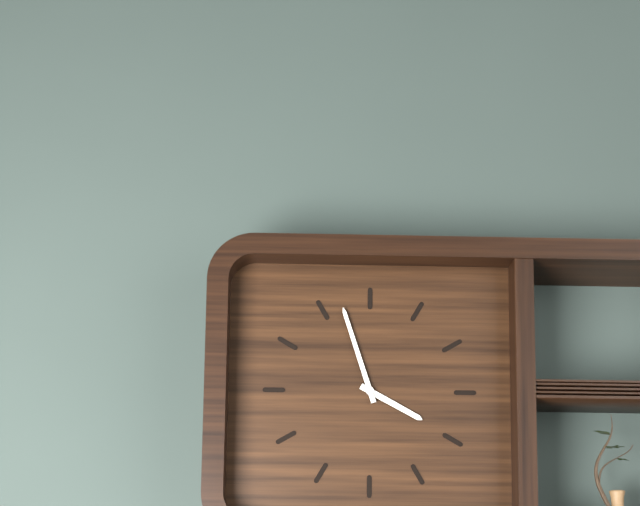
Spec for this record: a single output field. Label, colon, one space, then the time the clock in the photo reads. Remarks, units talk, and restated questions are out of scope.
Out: 3:57
